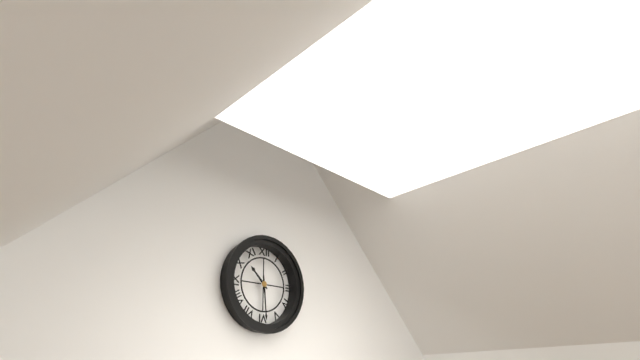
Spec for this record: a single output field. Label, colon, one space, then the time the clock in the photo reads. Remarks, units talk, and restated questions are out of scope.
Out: 10:29
